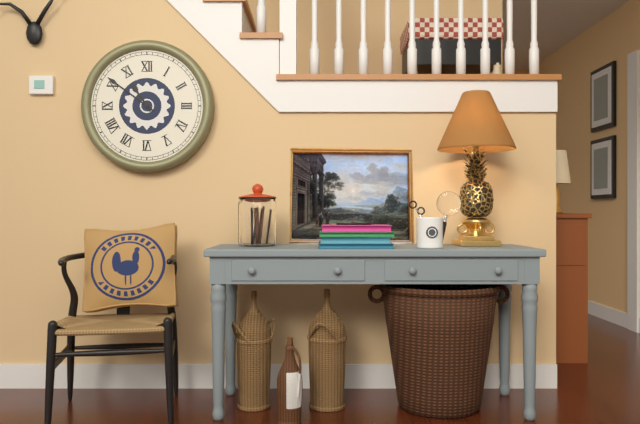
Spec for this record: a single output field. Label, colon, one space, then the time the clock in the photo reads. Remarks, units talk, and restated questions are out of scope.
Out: 10:51
